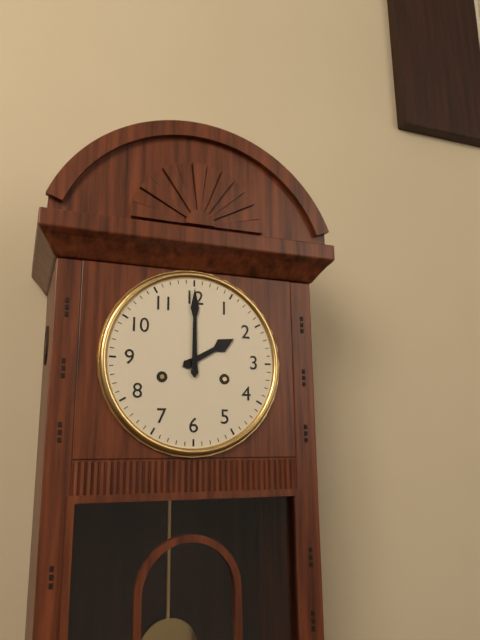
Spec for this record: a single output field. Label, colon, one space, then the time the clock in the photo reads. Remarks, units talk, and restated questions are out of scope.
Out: 2:00
